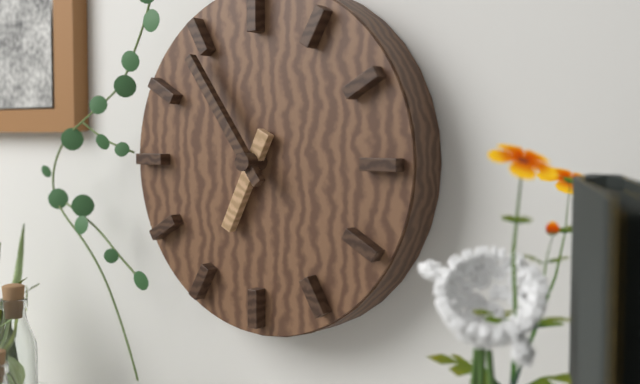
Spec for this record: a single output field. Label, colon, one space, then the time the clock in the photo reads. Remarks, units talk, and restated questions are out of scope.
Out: 6:54
